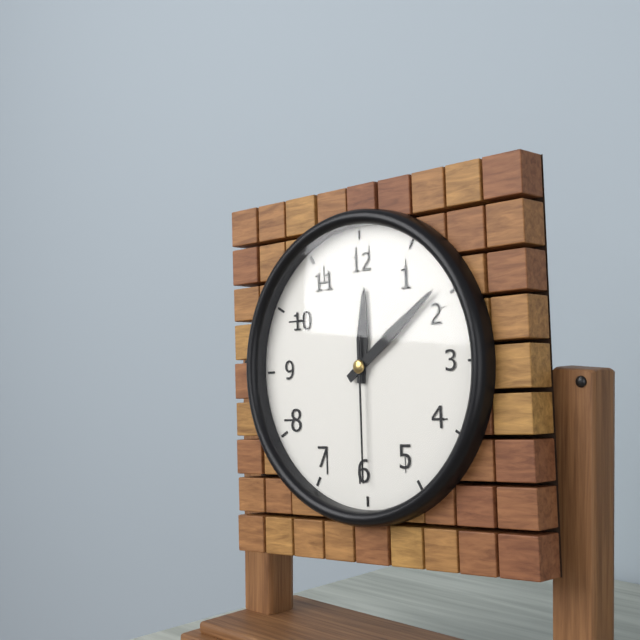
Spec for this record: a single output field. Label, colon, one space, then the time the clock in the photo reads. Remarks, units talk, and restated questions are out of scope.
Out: 12:09:30
